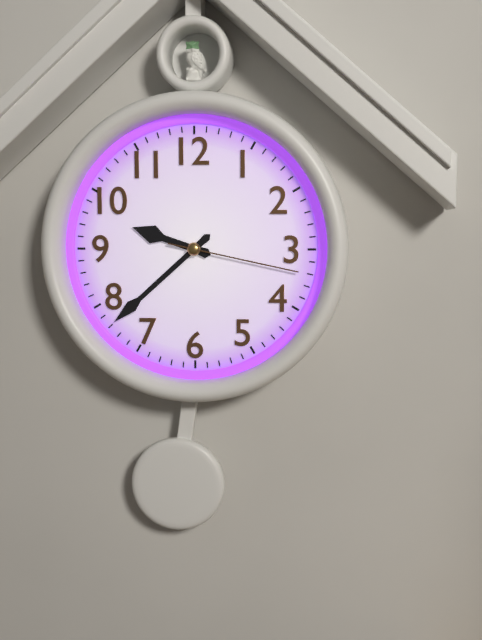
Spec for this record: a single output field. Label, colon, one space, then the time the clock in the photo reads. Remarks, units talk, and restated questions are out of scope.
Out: 9:38:17
